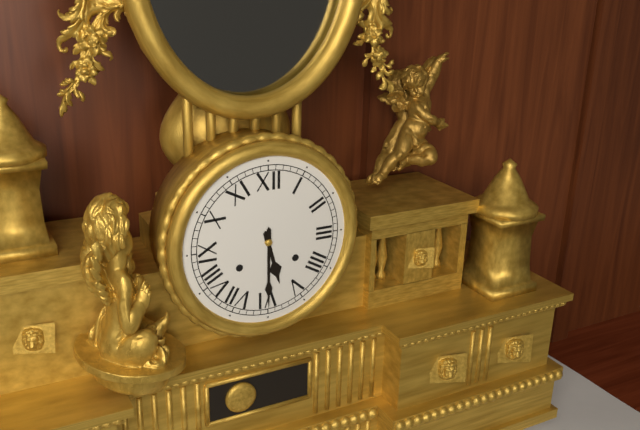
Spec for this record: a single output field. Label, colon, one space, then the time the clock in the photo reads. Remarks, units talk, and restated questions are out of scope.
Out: 5:30
